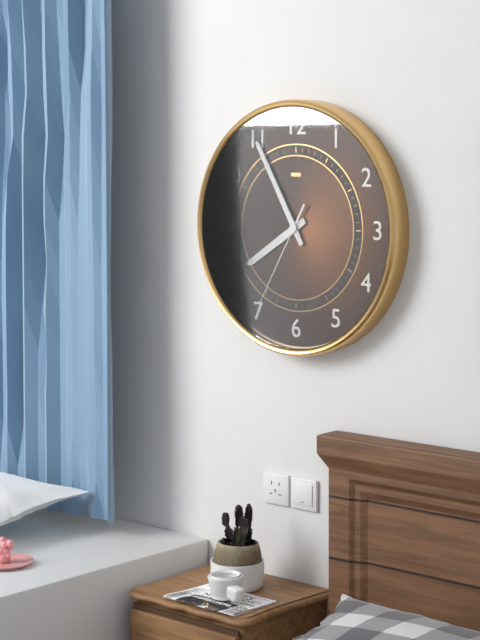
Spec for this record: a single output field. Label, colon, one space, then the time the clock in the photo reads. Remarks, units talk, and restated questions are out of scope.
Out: 7:55:35
